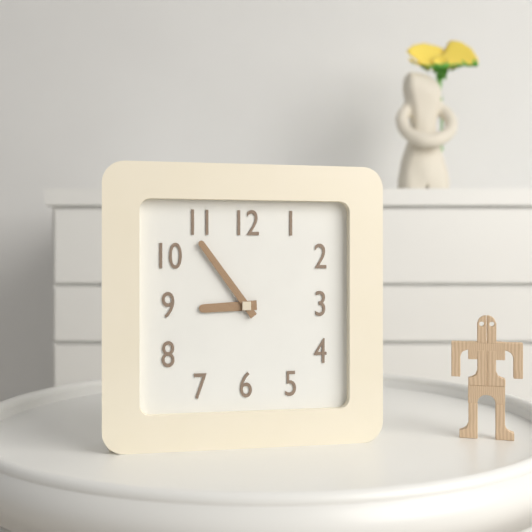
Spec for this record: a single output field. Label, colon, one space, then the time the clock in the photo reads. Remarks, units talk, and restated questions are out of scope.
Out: 8:54
